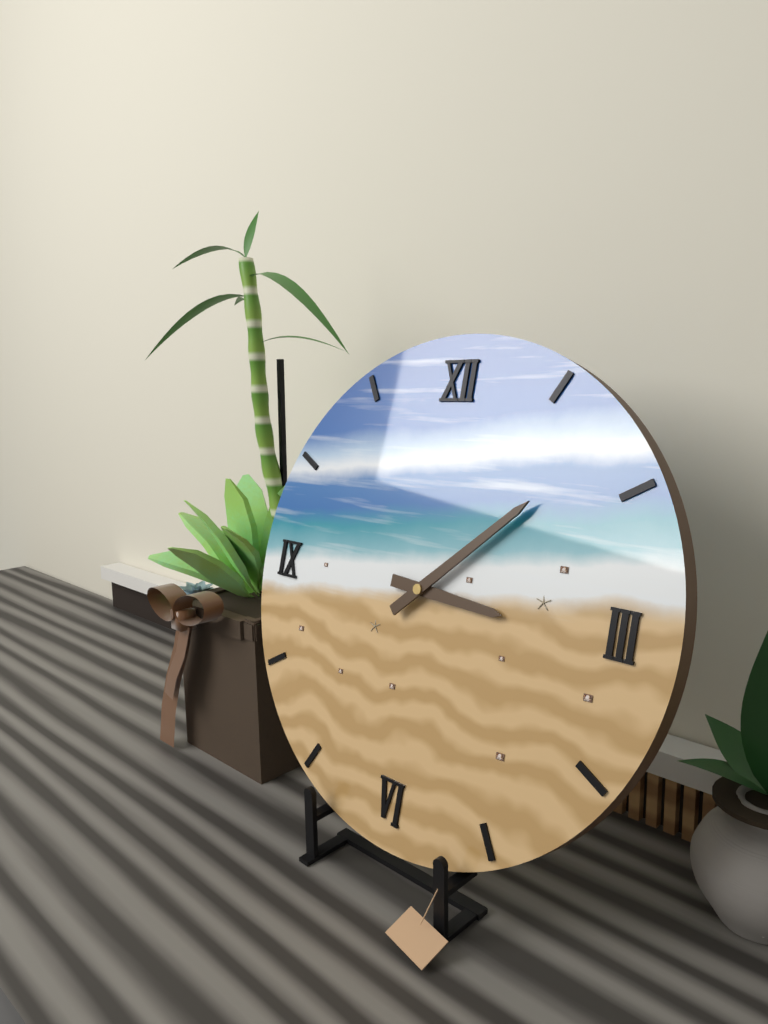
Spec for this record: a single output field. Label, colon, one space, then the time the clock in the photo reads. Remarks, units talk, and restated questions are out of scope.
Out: 3:08
